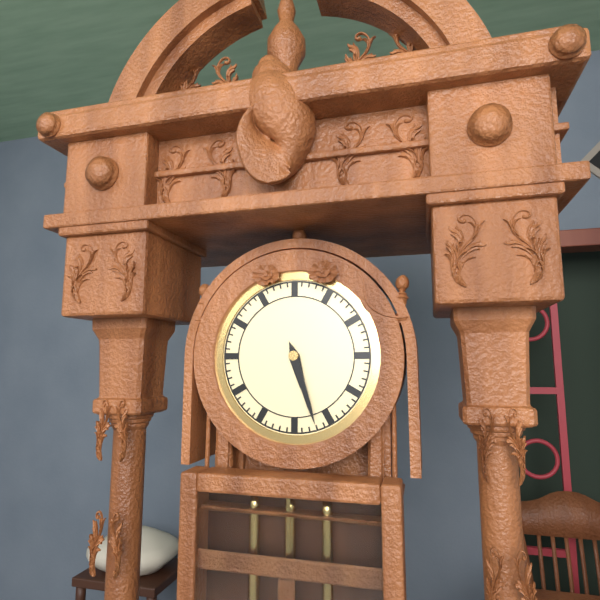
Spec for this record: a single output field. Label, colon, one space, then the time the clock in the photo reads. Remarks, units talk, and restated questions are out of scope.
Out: 5:27
